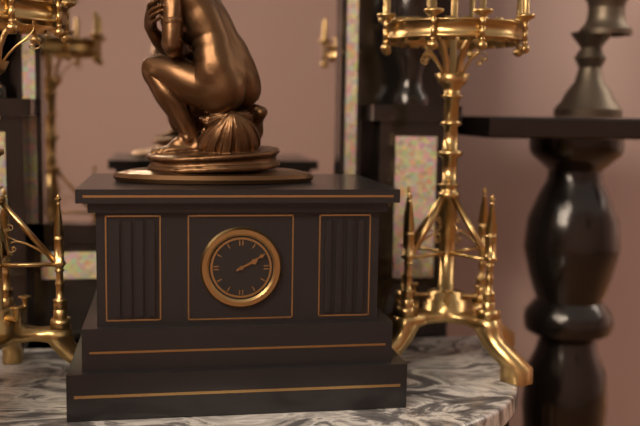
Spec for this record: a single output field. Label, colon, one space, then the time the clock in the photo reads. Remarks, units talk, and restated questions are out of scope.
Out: 2:10
